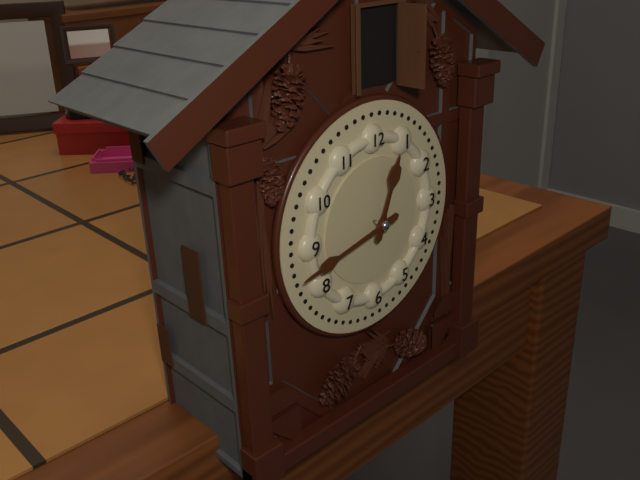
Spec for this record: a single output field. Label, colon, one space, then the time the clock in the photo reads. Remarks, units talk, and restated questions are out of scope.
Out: 12:43
